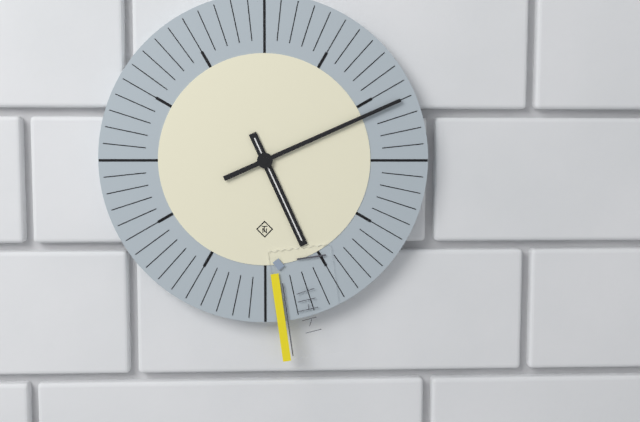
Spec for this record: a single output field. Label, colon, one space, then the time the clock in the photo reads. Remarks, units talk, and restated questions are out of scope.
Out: 5:11
